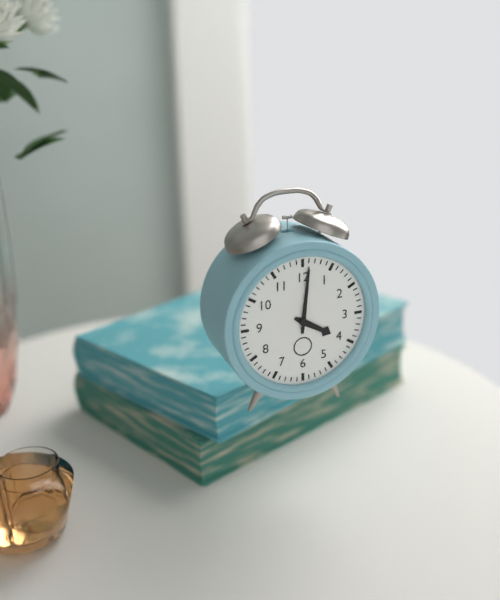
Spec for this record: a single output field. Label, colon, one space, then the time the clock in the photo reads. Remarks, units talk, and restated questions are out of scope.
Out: 4:01
